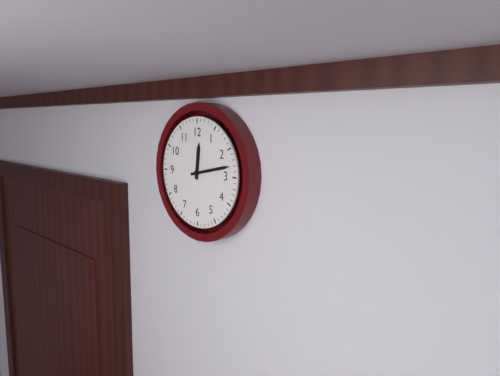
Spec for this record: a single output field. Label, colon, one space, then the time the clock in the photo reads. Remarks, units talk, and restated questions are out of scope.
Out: 12:13
